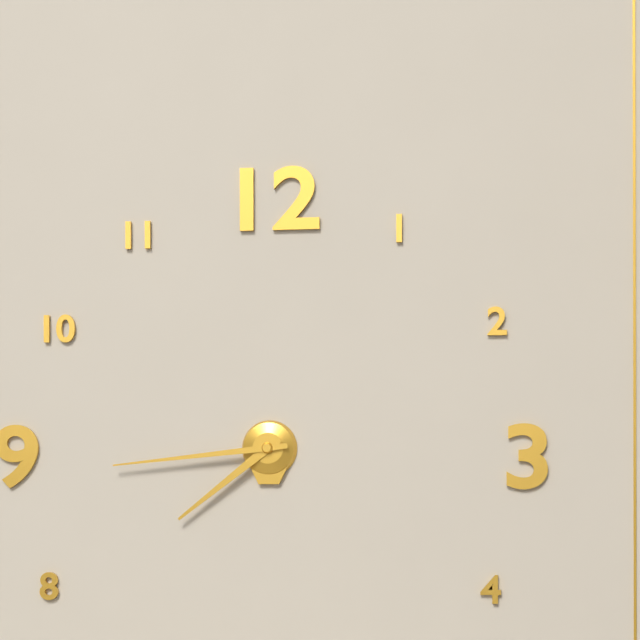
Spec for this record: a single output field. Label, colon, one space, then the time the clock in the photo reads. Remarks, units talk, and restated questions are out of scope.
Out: 7:44
